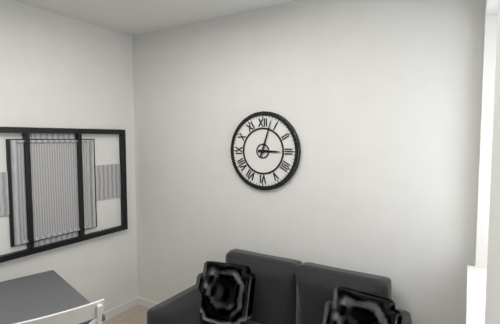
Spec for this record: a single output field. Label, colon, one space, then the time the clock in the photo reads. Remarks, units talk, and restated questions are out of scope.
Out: 3:03
